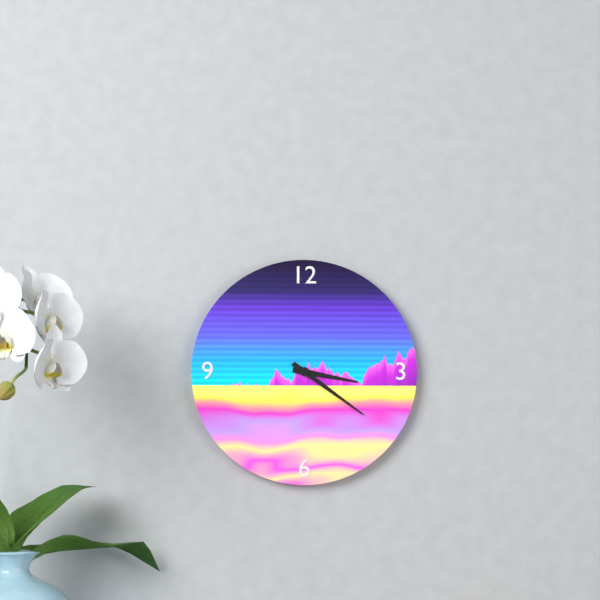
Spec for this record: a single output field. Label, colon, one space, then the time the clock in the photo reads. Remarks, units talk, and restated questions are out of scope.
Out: 3:21
